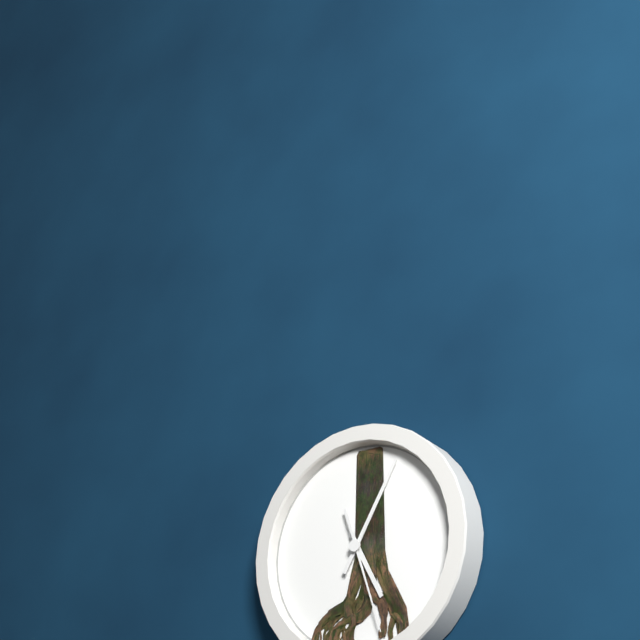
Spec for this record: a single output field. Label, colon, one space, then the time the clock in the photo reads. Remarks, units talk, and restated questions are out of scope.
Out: 5:05:27
